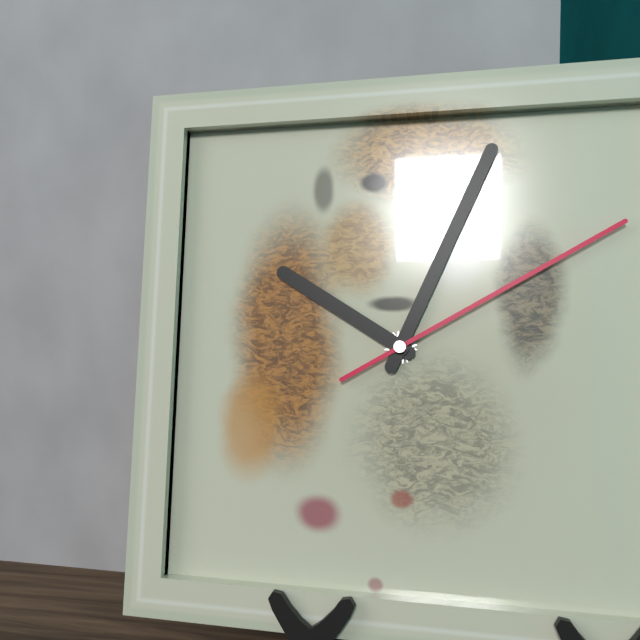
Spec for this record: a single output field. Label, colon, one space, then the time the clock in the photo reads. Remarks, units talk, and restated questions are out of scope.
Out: 10:04:10
